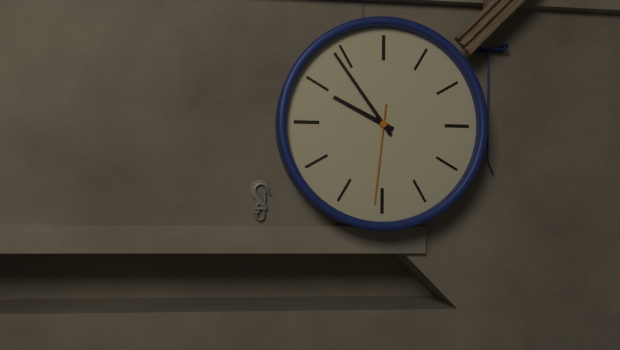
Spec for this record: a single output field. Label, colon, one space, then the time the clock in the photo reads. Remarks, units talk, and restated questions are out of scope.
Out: 9:54:31
